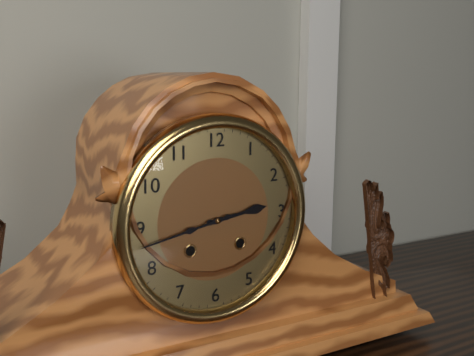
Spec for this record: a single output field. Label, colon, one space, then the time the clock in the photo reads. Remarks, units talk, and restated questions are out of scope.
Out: 2:43
